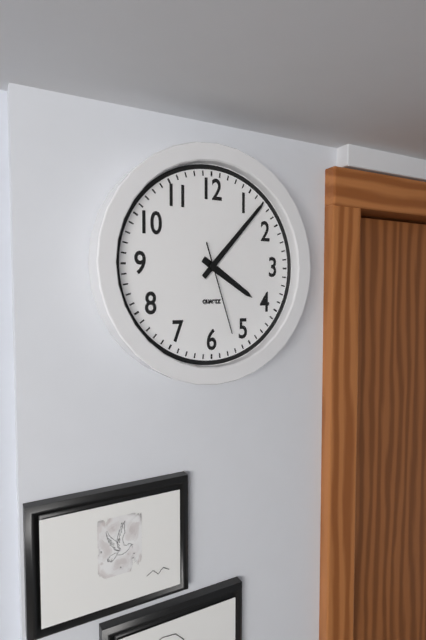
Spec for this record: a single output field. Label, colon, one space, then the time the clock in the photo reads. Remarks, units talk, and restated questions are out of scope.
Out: 4:07:27
